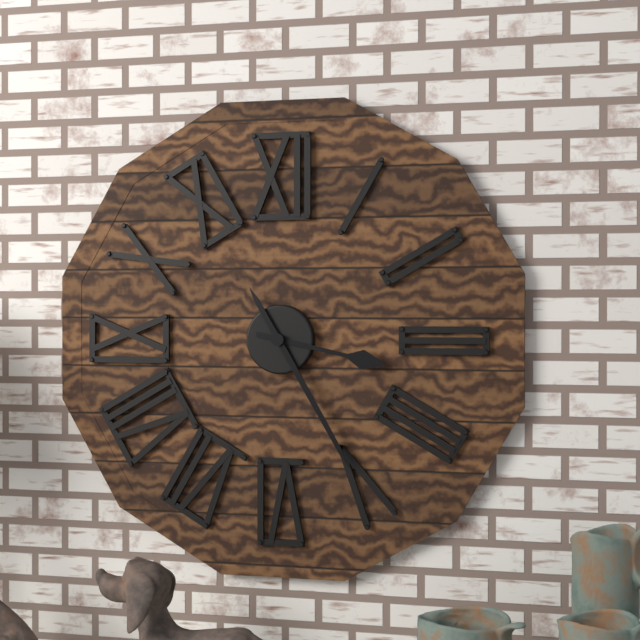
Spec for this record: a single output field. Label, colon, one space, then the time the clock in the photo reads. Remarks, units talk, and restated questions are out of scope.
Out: 3:25
